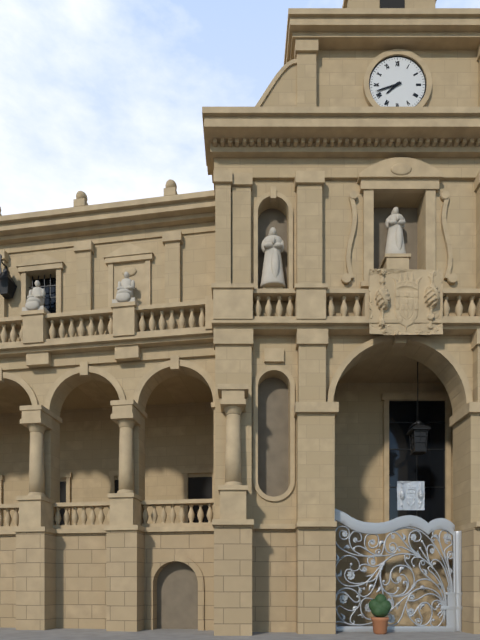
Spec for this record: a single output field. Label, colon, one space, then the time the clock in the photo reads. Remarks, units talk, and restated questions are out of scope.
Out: 7:42
